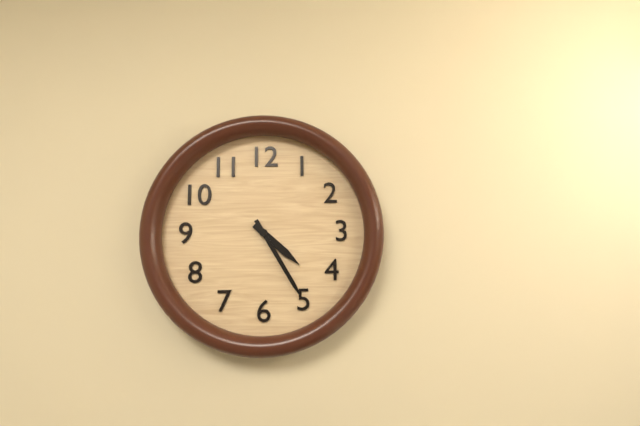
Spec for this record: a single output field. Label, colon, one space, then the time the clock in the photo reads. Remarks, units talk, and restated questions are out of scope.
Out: 4:25
